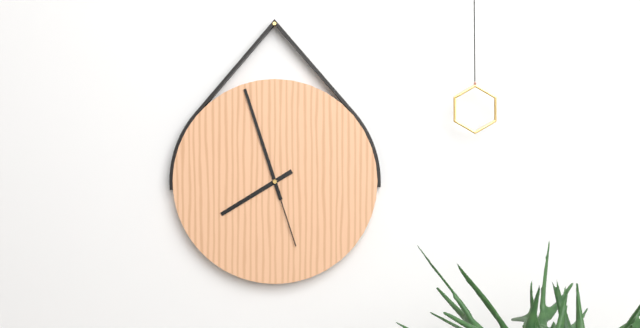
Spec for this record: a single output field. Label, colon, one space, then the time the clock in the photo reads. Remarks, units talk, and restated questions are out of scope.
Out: 7:57:27
